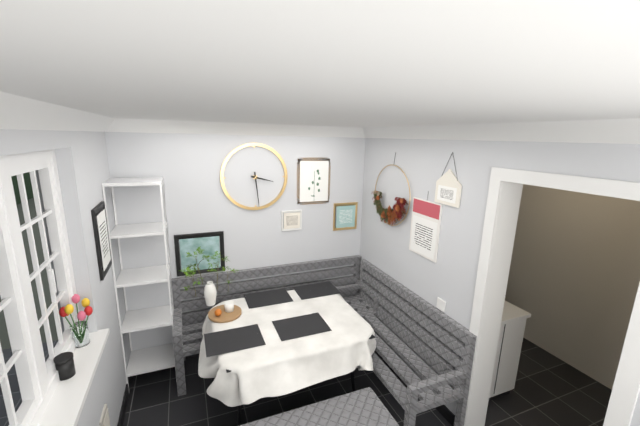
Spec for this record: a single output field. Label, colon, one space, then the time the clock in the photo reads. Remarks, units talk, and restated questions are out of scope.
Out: 3:29
